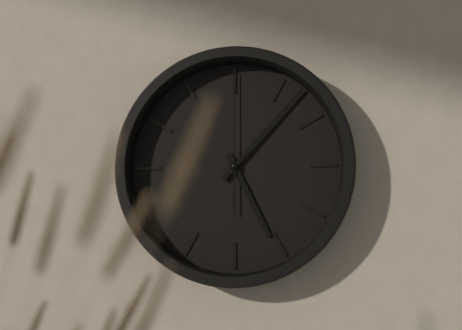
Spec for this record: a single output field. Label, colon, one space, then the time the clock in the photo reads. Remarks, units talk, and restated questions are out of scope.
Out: 5:07:00
